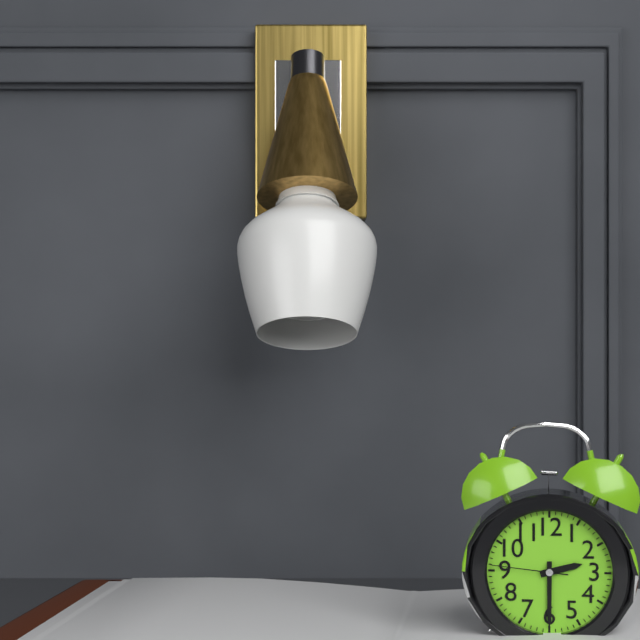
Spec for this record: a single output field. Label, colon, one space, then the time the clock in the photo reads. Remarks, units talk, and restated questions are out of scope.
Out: 2:30:46
